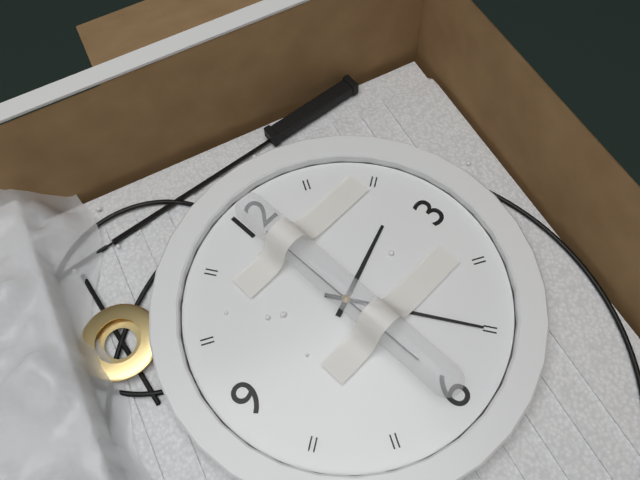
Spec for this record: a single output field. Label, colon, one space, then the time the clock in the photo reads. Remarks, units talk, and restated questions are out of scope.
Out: 2:25:00
